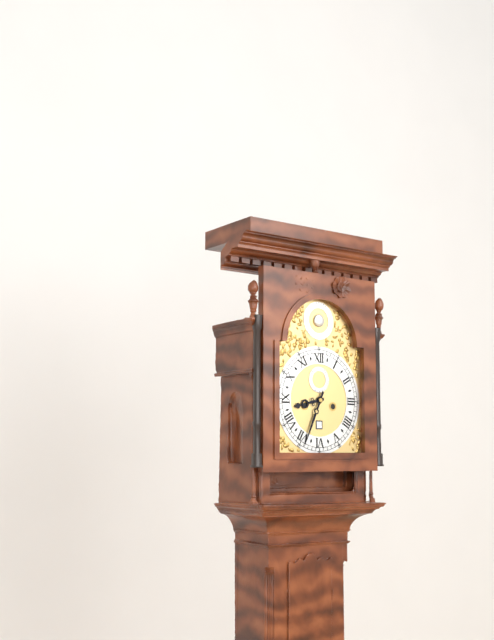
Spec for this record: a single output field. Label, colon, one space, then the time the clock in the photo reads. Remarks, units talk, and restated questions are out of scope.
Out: 8:34
